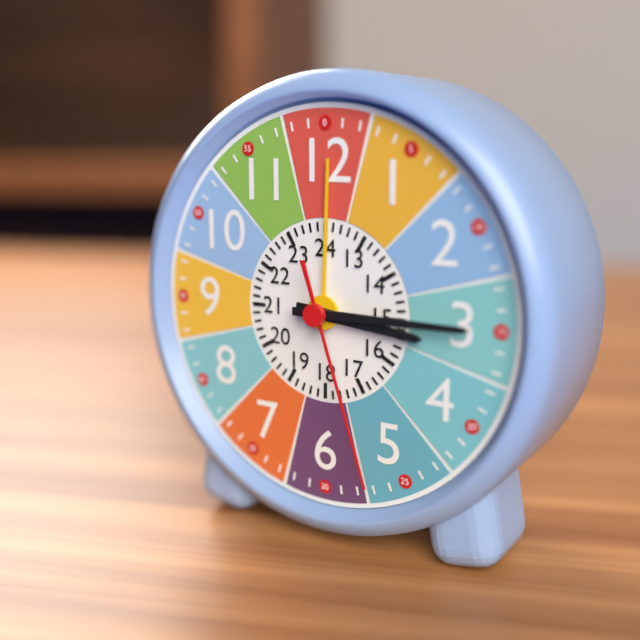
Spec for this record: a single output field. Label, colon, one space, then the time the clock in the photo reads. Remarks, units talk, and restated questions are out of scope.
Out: 3:15:27
